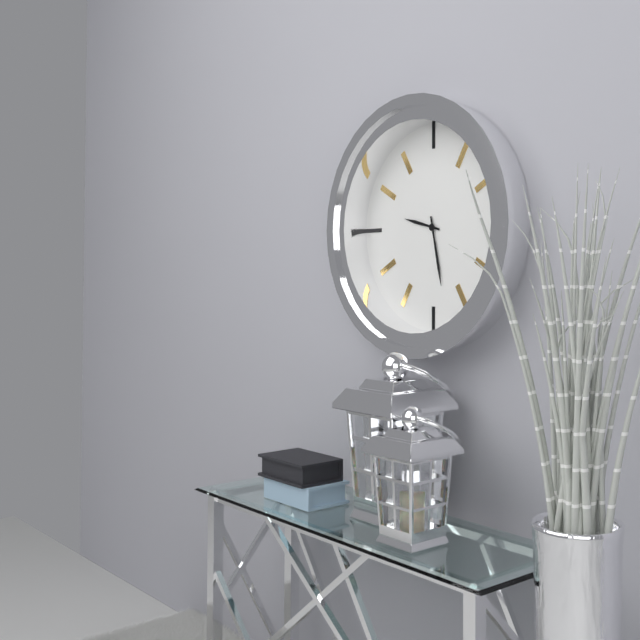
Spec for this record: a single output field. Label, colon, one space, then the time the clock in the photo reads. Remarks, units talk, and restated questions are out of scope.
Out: 9:28
